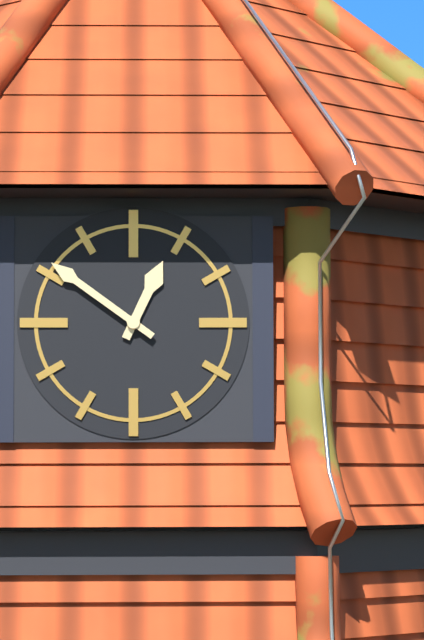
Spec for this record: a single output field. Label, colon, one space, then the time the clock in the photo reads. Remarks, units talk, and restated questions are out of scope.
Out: 12:51
